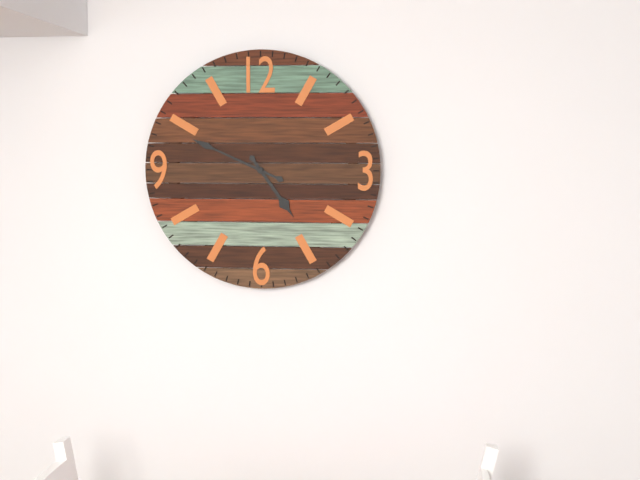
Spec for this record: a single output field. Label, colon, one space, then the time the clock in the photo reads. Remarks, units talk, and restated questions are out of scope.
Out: 4:49
